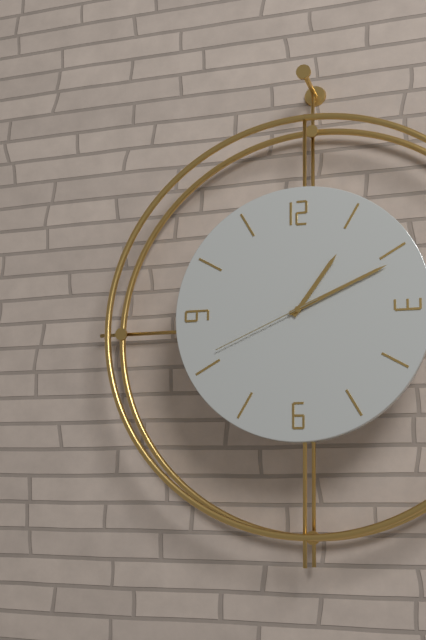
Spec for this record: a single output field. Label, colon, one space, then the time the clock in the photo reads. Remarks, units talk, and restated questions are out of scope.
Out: 1:11:41
